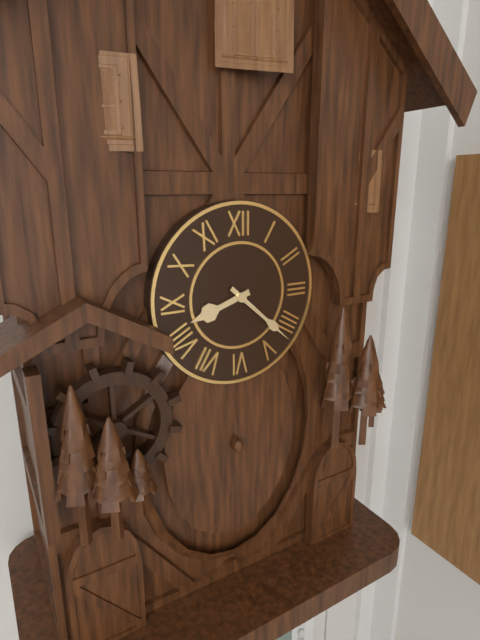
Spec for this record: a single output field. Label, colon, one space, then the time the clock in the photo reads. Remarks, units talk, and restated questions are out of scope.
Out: 8:22
